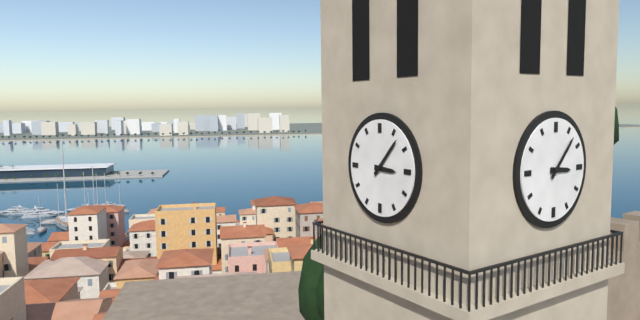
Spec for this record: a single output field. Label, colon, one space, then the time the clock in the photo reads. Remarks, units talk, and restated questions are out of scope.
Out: 3:07
